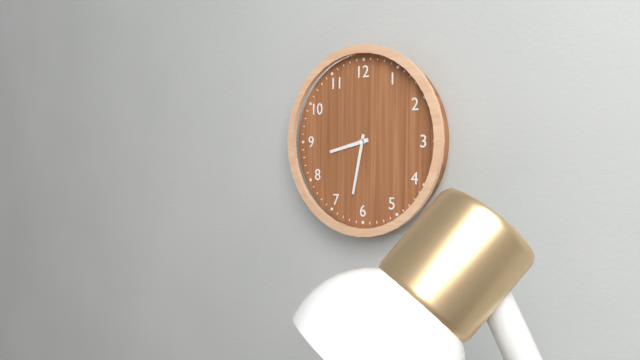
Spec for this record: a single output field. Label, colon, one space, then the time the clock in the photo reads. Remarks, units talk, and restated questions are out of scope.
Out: 8:32
